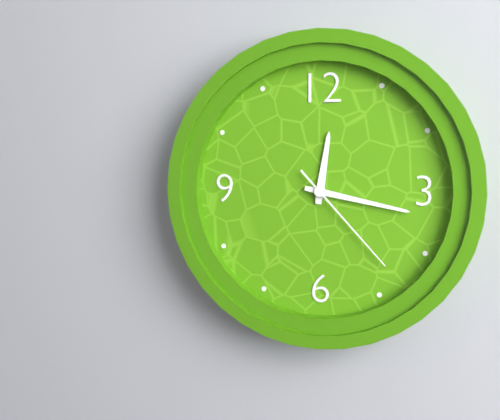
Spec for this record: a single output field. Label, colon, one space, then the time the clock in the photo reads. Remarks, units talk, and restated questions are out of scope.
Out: 12:17:23
